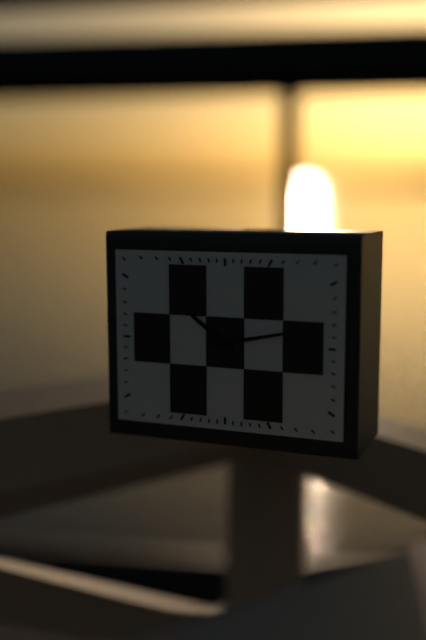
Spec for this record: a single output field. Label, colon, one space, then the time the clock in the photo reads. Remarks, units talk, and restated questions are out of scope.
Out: 10:13
